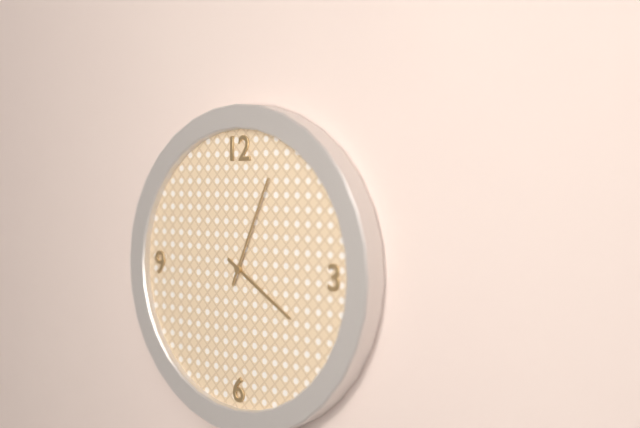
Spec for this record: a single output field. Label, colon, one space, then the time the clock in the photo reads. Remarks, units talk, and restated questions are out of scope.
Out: 4:04
